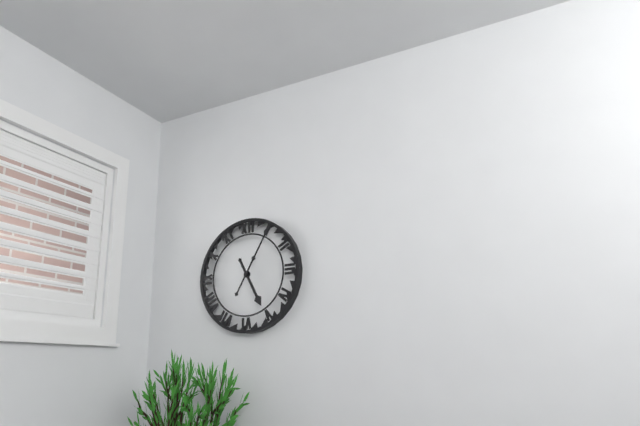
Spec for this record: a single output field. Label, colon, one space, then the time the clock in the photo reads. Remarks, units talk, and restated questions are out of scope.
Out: 5:05
